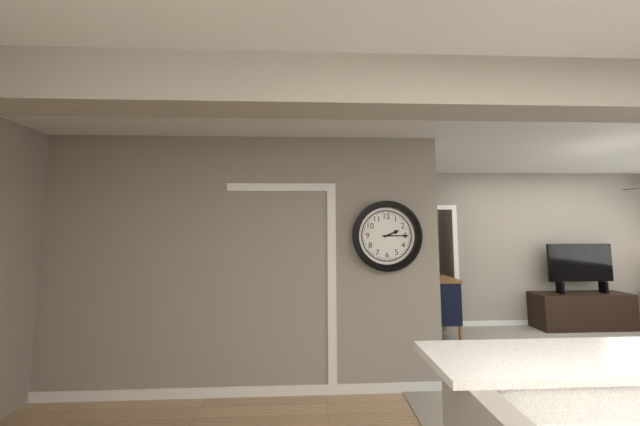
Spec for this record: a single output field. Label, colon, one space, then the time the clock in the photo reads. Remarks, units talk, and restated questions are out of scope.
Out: 2:15
